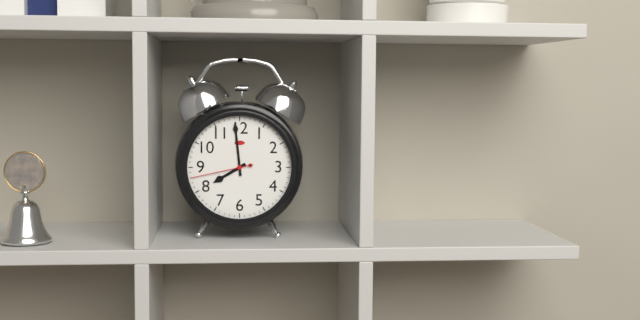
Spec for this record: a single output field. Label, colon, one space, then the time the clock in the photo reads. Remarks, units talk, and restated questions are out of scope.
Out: 7:59:43
